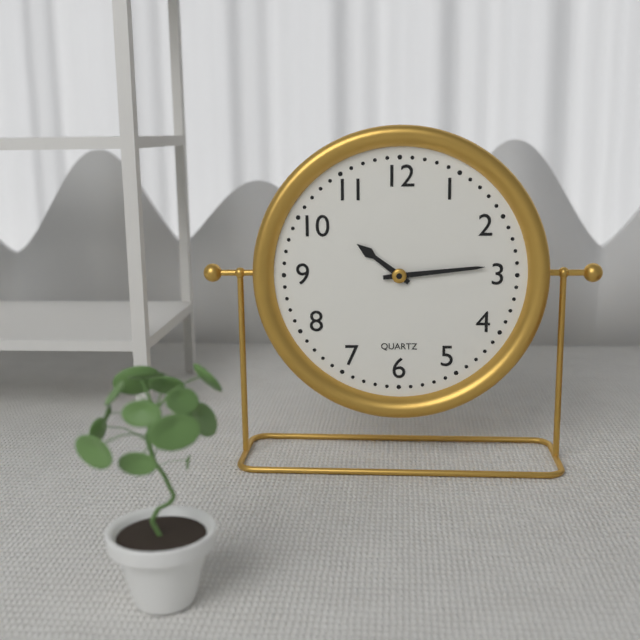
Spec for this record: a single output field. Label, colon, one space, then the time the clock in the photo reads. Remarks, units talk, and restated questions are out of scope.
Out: 10:14
